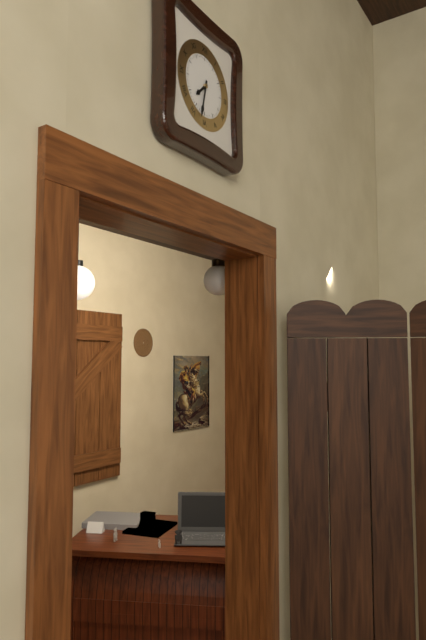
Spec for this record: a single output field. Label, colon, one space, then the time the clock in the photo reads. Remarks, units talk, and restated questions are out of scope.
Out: 7:32
